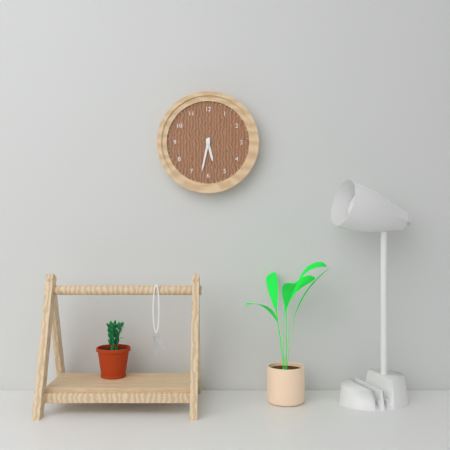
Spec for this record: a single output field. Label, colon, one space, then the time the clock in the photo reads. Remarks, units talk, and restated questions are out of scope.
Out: 5:32
